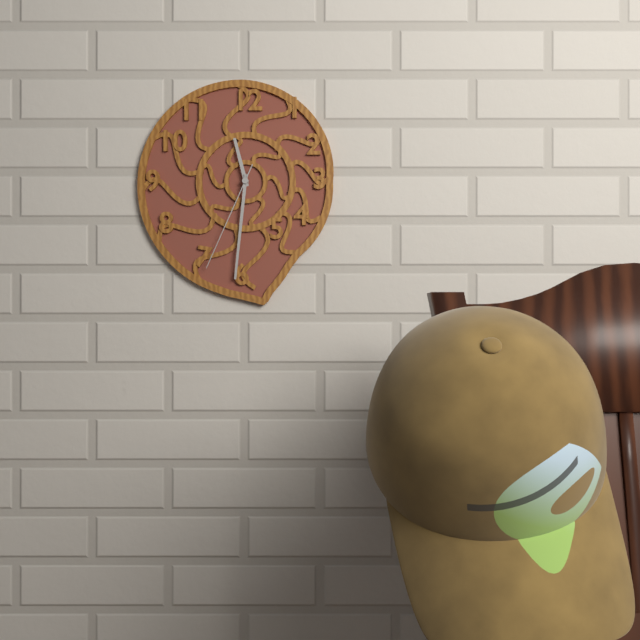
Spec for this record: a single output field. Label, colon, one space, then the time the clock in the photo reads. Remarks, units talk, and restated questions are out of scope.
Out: 11:31:34
